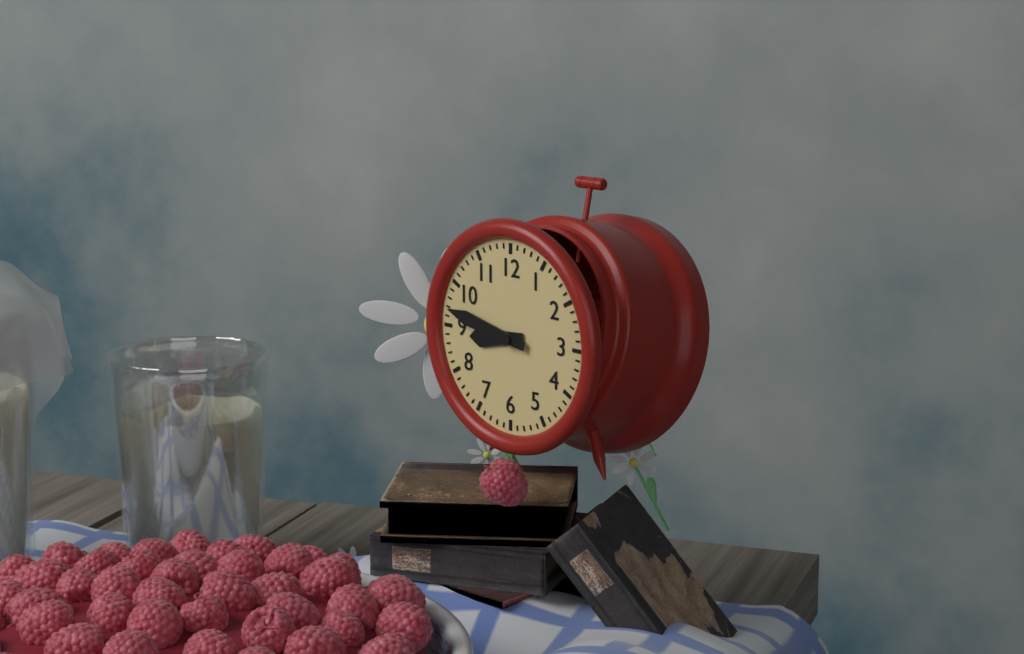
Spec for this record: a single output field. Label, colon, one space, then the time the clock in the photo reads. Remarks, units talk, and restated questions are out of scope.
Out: 8:47
